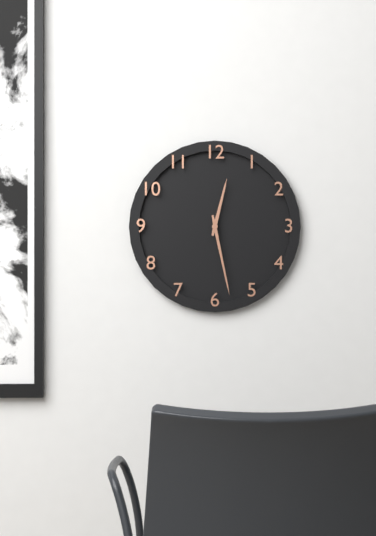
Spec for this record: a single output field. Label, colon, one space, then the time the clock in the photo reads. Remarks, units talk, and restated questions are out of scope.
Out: 12:28
